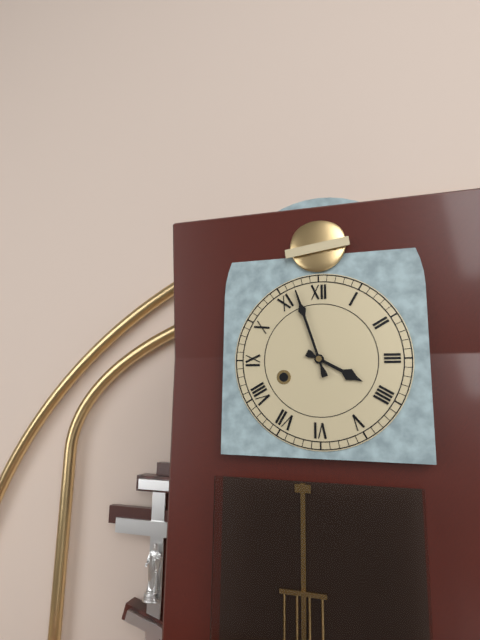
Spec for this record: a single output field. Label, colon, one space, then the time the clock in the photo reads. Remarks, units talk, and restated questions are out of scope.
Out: 3:57
